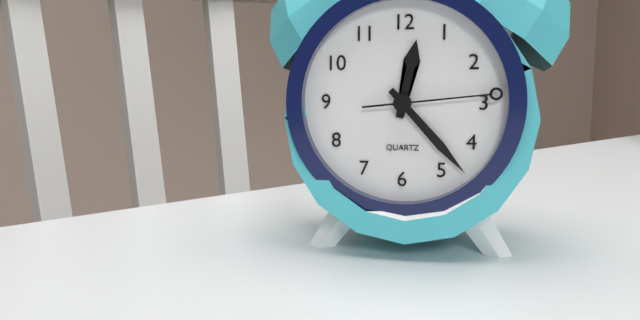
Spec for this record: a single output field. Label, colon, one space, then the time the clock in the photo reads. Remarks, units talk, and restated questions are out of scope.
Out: 12:23:14
